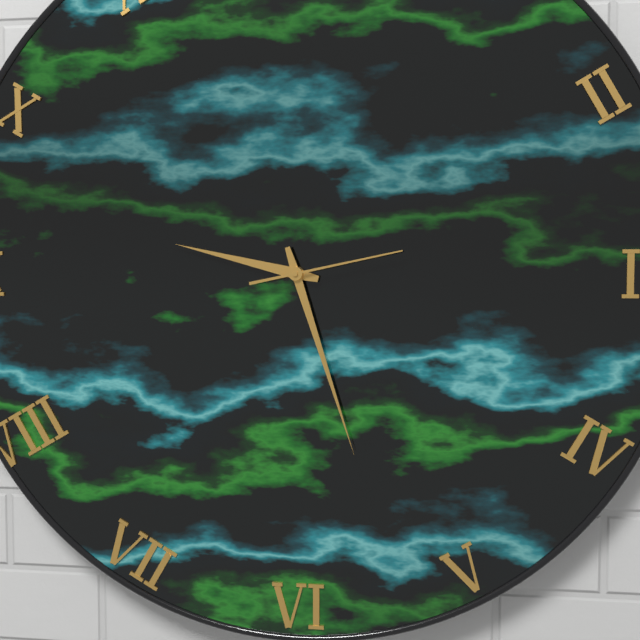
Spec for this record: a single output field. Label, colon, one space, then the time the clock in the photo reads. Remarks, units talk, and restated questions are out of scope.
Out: 9:27:13
